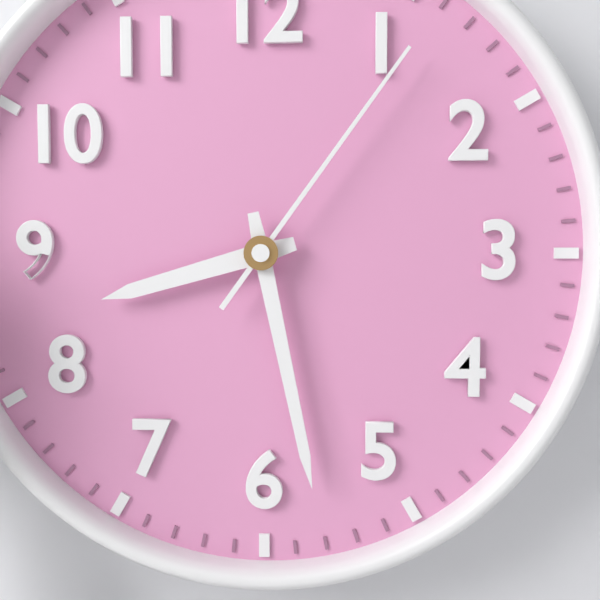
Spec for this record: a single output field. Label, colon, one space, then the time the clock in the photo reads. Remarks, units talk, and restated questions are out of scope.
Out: 8:28:06
